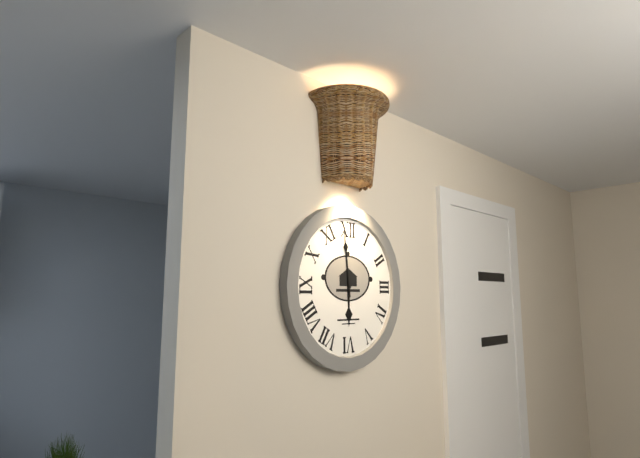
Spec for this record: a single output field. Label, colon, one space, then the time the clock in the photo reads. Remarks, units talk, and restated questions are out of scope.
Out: 5:59
